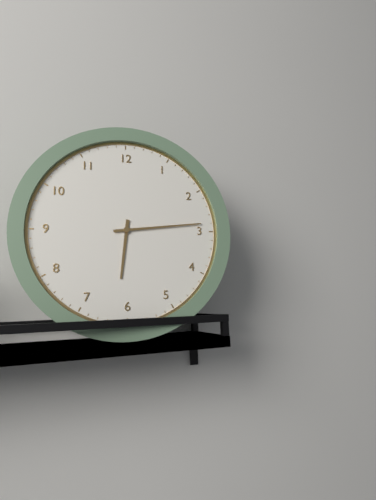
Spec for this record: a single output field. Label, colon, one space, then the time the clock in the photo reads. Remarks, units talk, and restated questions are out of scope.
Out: 6:14
